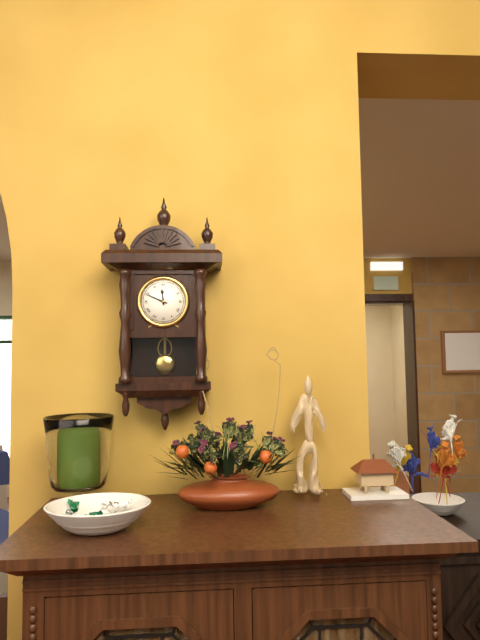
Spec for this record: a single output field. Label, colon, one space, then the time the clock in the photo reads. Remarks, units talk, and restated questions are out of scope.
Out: 11:49
